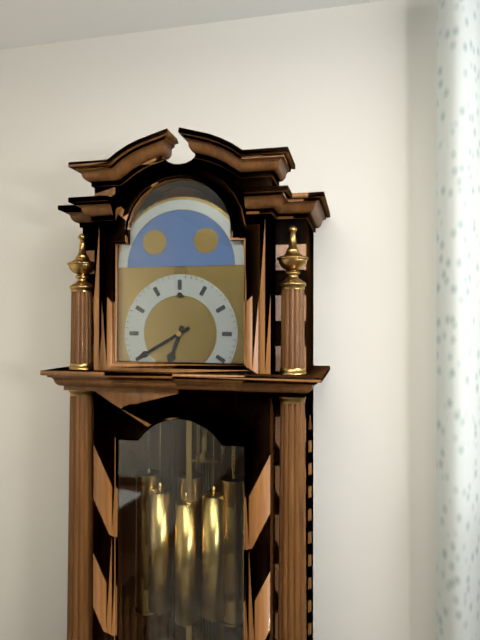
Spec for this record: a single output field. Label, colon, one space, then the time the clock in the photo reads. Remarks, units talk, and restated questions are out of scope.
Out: 6:40
